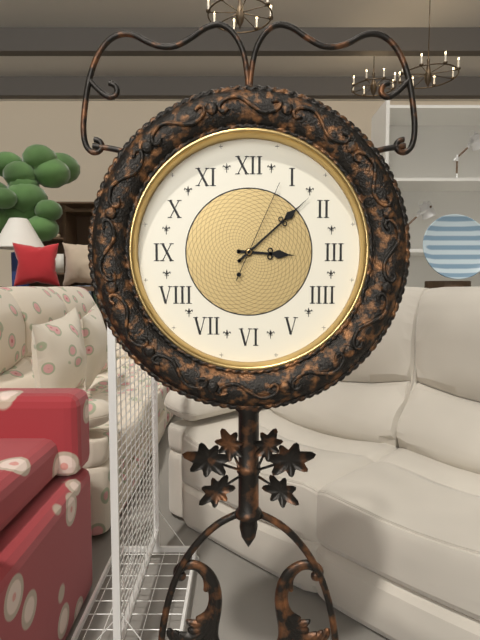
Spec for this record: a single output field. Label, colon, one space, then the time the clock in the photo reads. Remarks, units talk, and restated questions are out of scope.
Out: 3:08:04
